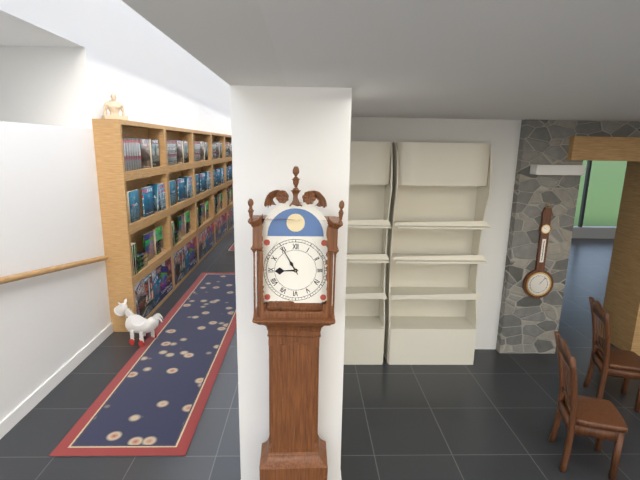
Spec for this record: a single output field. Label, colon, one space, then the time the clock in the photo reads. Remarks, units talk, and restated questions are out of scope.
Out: 8:55
